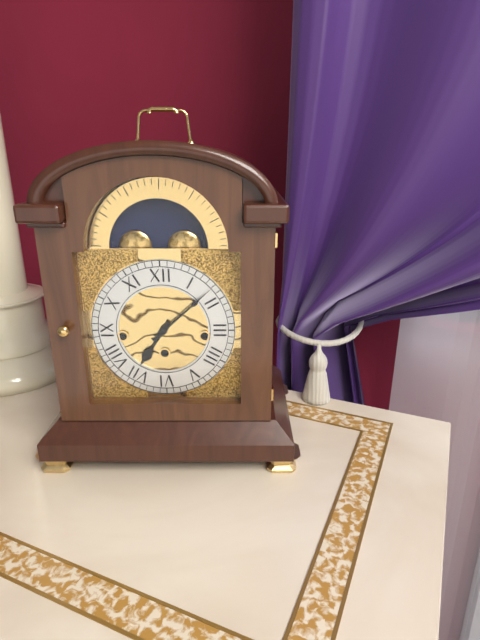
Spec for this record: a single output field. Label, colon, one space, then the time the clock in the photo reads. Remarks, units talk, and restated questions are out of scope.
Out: 7:08
